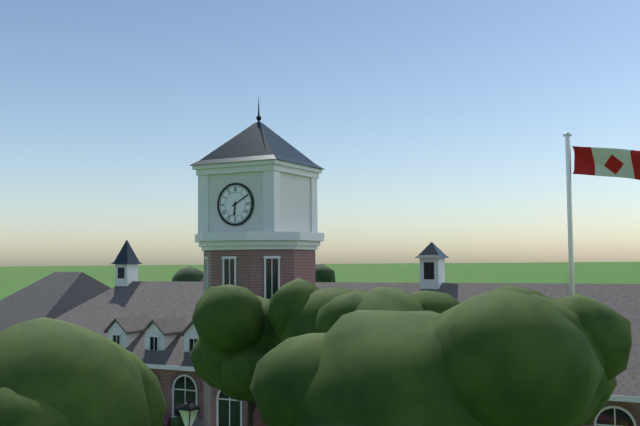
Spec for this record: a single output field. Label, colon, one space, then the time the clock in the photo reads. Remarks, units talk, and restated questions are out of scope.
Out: 6:10
